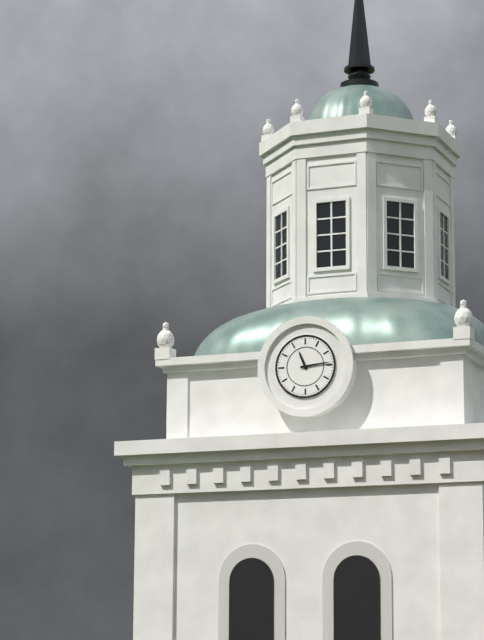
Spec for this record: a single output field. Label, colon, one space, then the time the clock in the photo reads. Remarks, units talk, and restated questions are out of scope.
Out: 11:14
